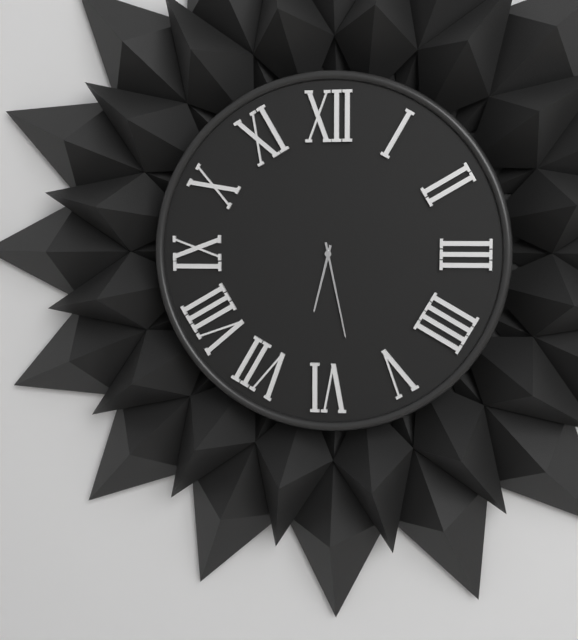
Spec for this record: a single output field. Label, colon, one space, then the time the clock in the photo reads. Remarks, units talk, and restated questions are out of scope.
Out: 6:28
